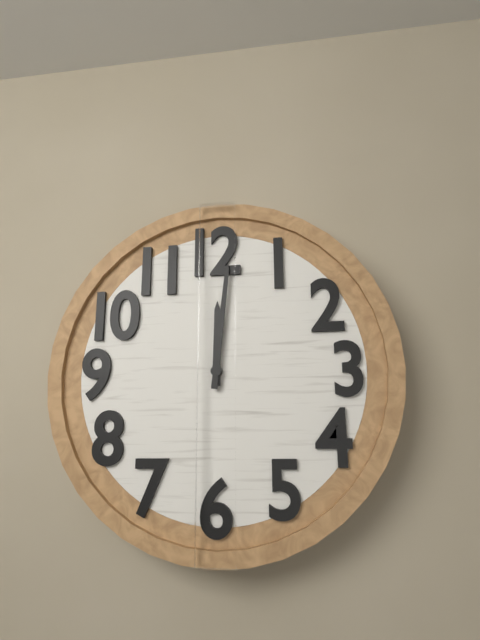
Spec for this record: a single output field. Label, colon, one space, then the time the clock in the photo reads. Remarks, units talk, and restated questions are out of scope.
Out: 12:01
